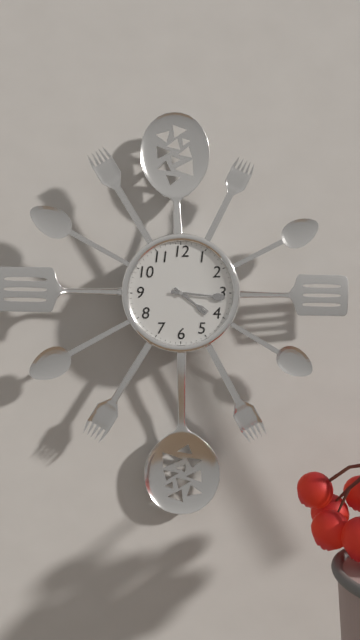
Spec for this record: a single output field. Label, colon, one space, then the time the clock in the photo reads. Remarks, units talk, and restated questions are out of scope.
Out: 4:16
